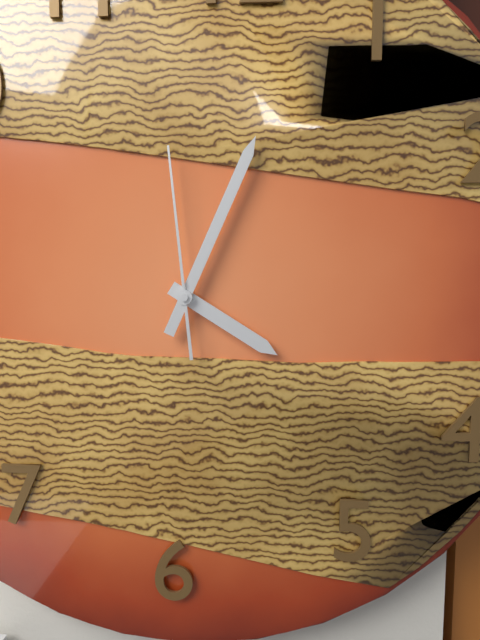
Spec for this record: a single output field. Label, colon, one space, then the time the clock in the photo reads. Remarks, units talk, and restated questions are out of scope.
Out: 4:04:59
